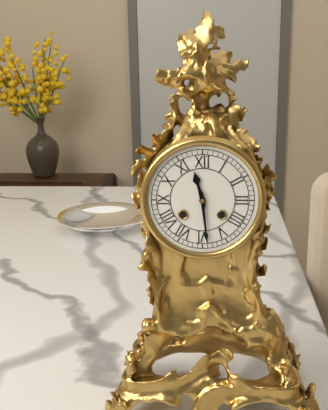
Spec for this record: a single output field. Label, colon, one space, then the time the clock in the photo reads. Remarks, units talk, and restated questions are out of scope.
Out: 11:29
